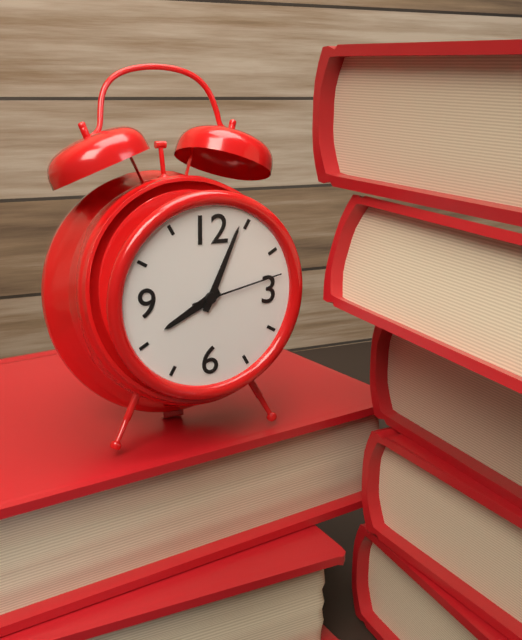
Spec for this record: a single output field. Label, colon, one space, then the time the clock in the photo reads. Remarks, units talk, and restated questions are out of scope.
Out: 8:04:13
